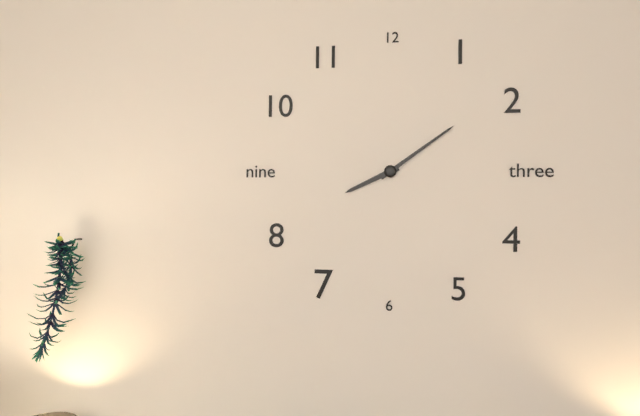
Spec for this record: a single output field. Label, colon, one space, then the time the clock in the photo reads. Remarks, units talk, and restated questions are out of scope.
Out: 8:09
